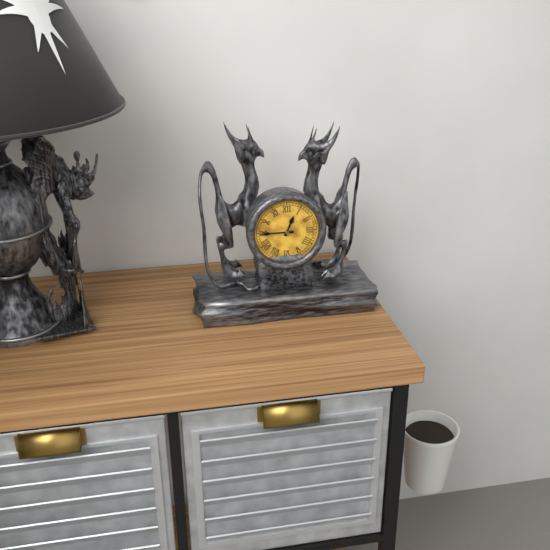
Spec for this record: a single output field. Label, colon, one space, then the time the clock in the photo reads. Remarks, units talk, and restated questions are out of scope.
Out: 12:45
